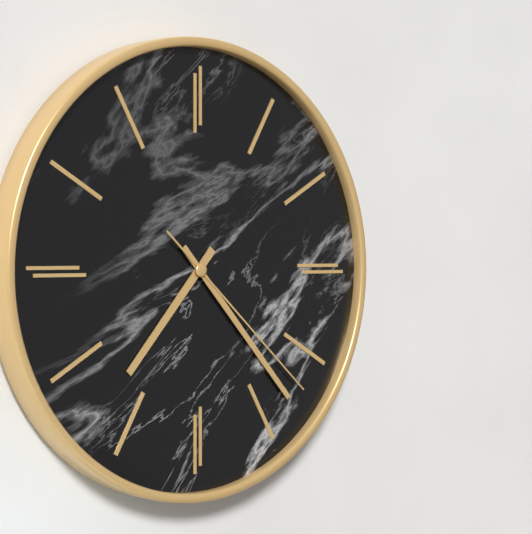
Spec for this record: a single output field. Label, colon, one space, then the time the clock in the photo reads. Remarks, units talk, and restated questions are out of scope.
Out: 7:23:22
